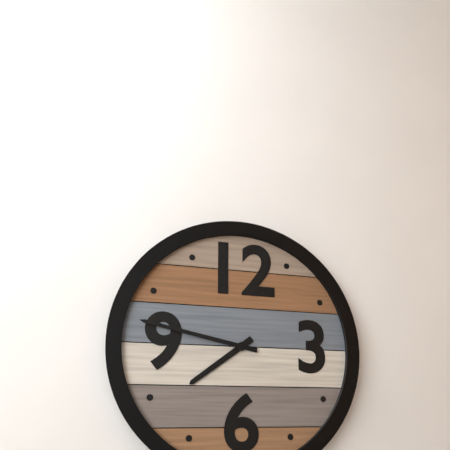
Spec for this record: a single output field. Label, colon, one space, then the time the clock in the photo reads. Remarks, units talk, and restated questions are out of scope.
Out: 7:47
